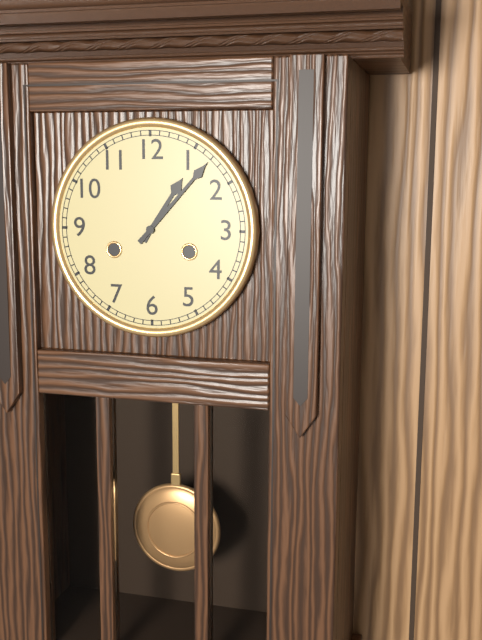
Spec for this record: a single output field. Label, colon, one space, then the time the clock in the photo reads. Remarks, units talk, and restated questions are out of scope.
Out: 1:07
